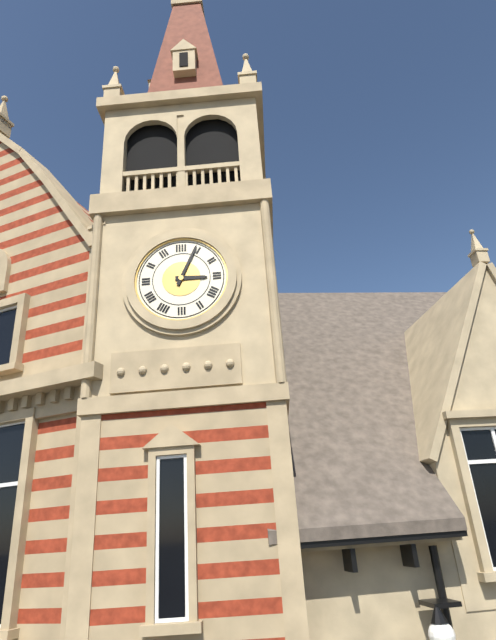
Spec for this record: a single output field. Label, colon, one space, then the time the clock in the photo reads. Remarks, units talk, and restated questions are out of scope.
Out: 3:04
